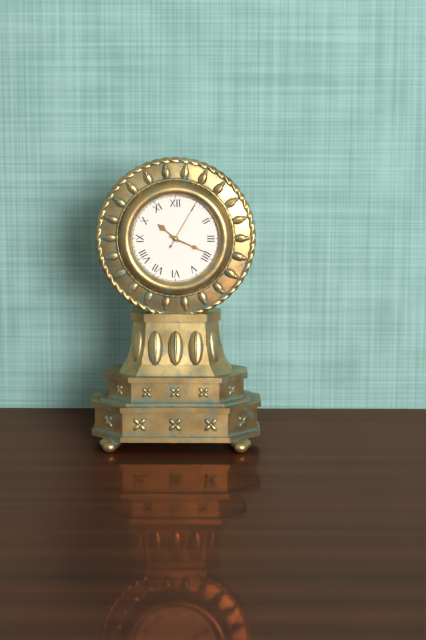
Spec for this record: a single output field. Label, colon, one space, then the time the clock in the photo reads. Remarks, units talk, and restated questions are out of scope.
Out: 10:19
